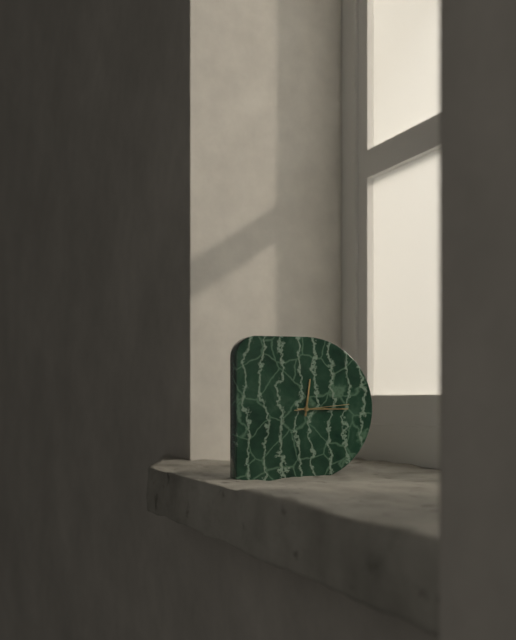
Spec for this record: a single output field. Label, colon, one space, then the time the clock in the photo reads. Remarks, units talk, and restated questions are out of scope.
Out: 12:15:14
